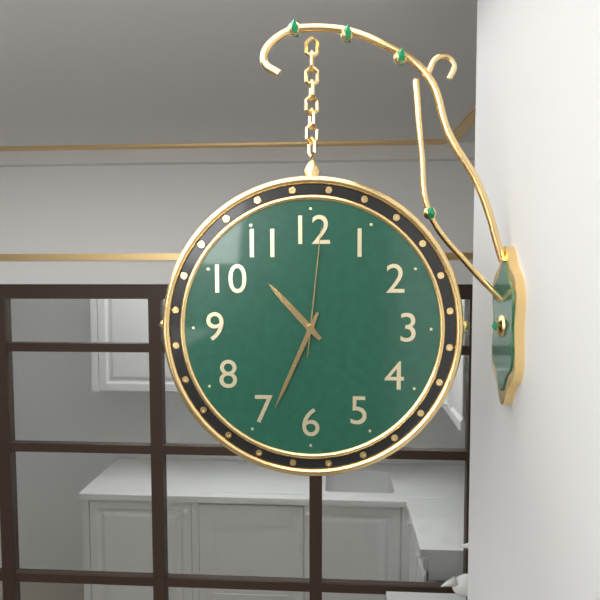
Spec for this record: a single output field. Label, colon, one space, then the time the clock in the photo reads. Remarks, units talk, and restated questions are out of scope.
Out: 10:34:01
